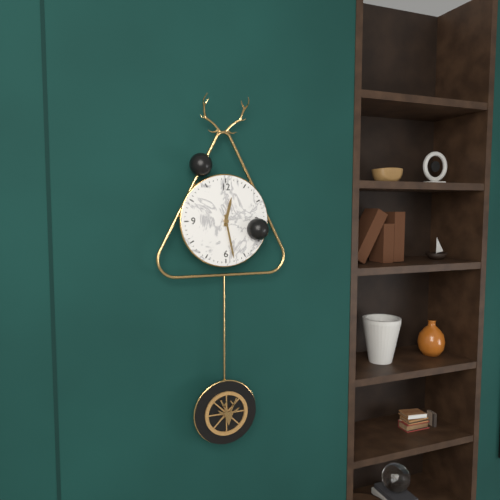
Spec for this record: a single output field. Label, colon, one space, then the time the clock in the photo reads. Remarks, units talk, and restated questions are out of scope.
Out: 12:28
